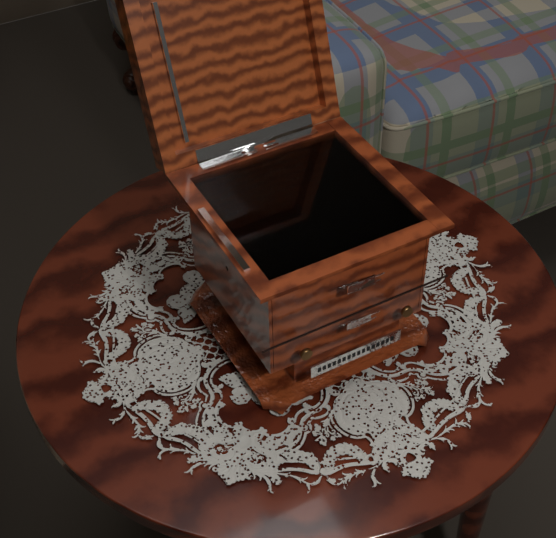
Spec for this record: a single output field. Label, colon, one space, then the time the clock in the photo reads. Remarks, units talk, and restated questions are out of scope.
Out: 12:15
